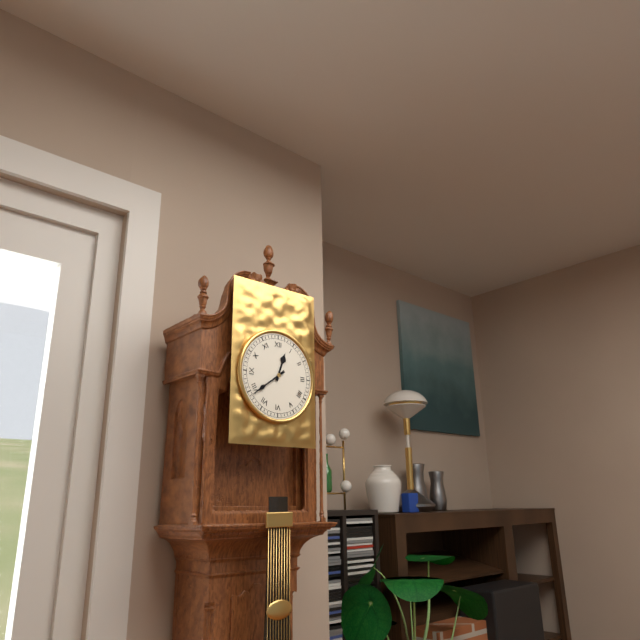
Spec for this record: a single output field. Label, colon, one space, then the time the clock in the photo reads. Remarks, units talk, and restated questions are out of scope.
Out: 12:39
